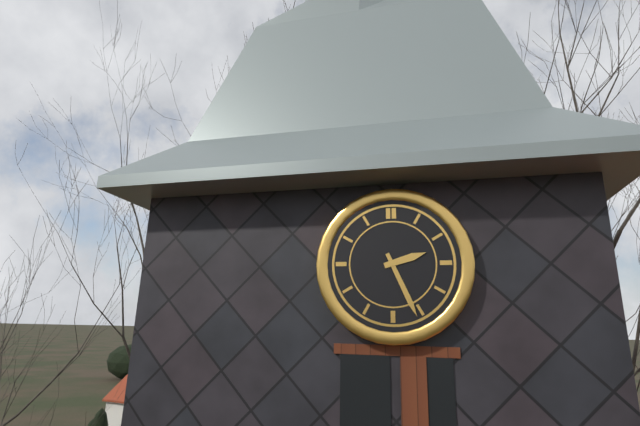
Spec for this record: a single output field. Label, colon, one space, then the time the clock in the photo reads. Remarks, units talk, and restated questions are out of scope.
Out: 2:26
